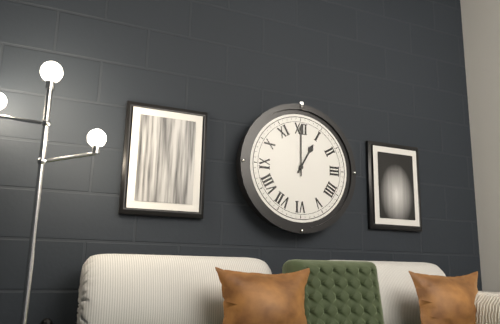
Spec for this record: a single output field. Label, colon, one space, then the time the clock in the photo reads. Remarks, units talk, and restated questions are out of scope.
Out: 1:00
